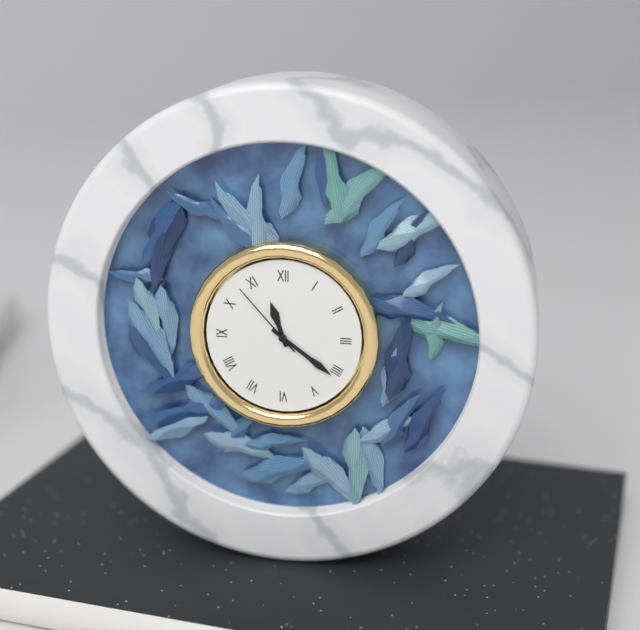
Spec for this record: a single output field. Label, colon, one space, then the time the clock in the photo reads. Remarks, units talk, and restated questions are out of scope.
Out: 11:21:53
